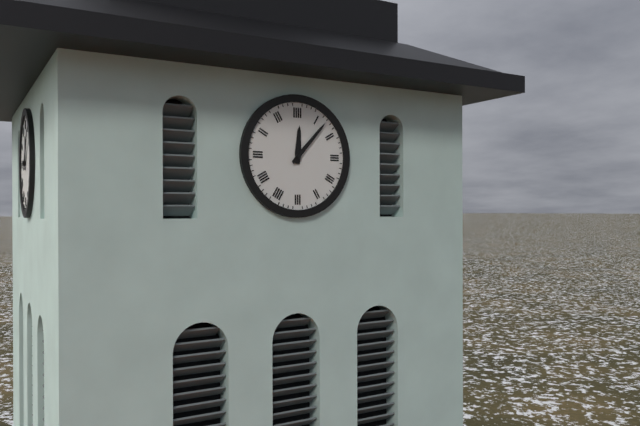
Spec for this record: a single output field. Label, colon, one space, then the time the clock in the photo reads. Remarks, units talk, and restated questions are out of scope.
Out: 12:07
